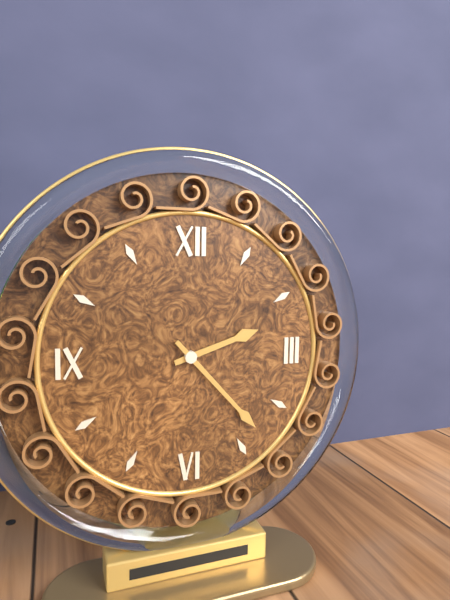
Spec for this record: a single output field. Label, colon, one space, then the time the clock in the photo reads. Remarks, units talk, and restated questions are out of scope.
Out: 2:23
